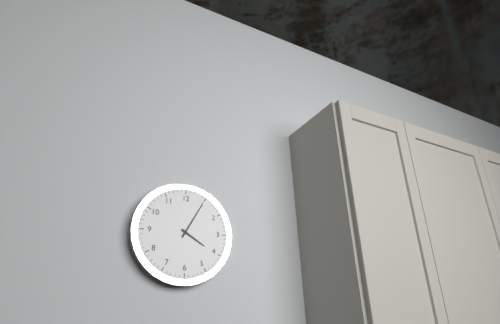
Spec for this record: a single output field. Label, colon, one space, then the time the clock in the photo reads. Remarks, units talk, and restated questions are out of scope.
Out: 4:05
